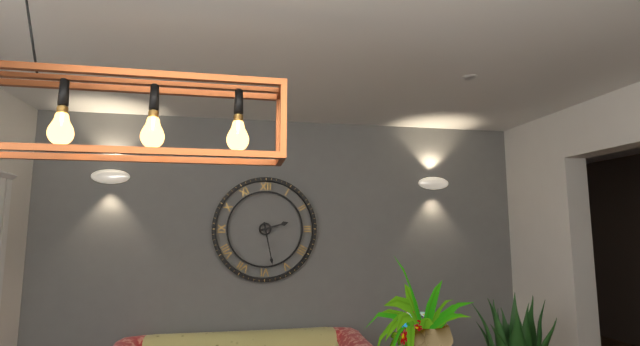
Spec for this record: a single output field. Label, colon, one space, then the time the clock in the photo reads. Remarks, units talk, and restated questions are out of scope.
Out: 2:28
